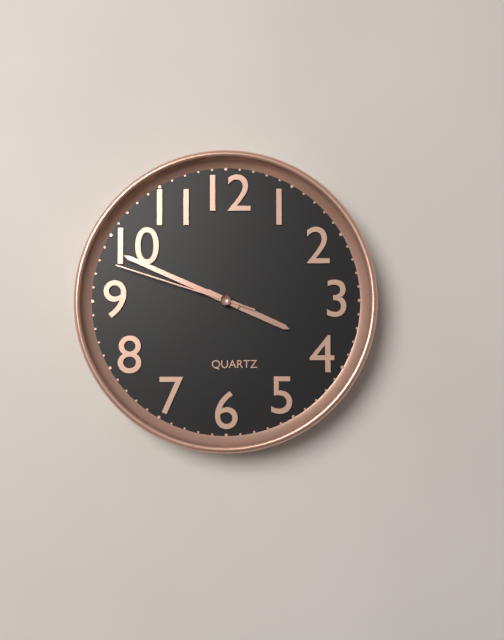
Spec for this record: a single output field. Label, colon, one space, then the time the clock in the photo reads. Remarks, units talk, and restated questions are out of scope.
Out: 3:49:48
